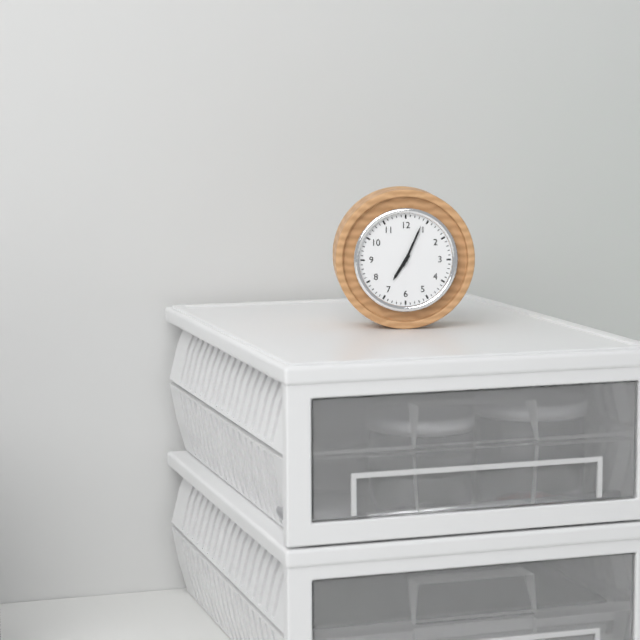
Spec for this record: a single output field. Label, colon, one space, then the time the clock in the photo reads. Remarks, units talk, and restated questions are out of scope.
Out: 7:04
